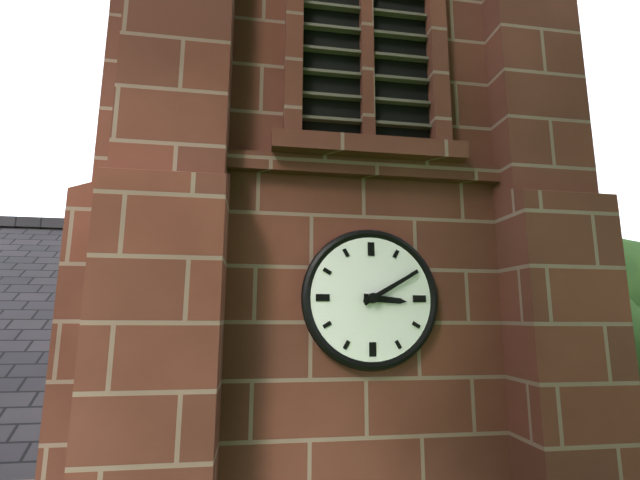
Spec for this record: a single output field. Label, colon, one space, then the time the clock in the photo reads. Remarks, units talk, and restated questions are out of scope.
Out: 3:10
